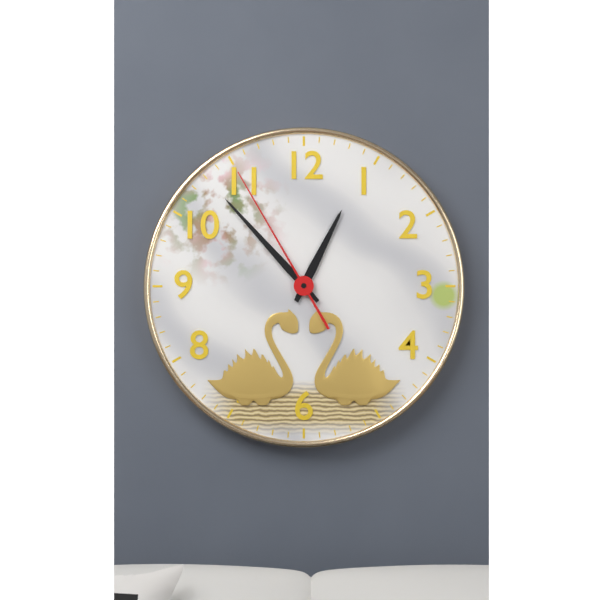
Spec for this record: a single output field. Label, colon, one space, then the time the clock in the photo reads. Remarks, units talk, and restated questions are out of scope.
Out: 12:53:55
